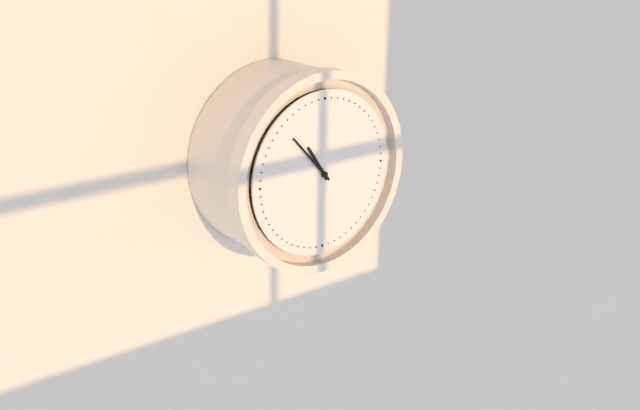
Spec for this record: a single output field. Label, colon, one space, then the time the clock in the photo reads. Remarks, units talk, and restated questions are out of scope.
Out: 10:53
